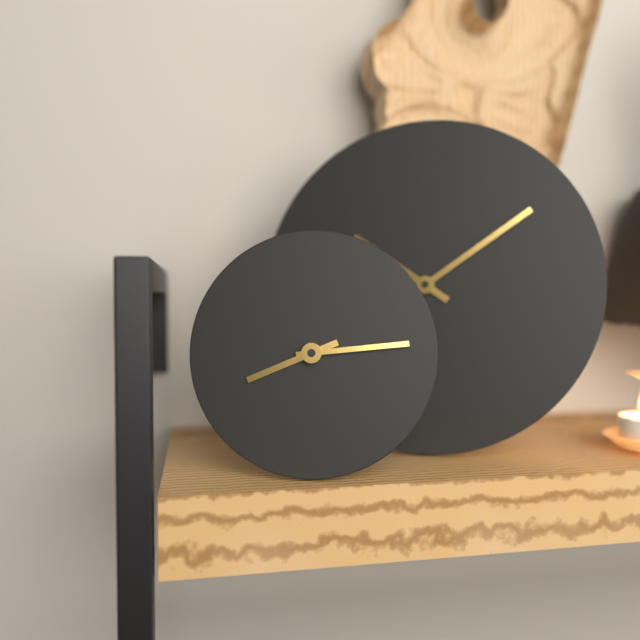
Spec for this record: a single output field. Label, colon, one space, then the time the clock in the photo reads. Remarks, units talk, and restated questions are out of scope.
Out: 8:14
